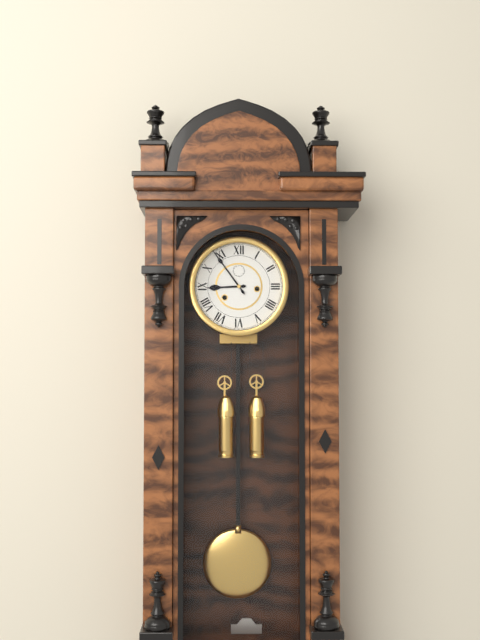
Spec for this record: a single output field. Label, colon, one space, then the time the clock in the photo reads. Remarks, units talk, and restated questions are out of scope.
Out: 8:54
